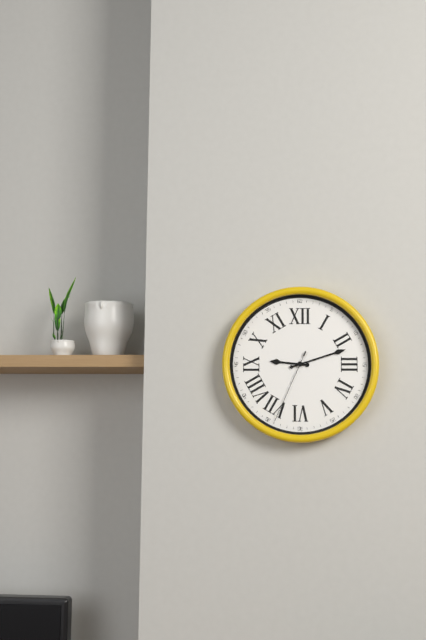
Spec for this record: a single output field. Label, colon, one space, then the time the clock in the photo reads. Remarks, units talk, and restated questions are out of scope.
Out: 9:12:34
